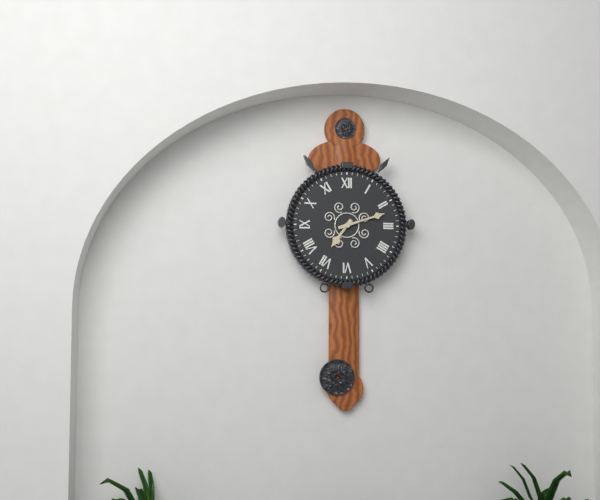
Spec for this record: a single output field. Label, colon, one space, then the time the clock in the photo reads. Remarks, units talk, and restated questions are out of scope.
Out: 7:12
